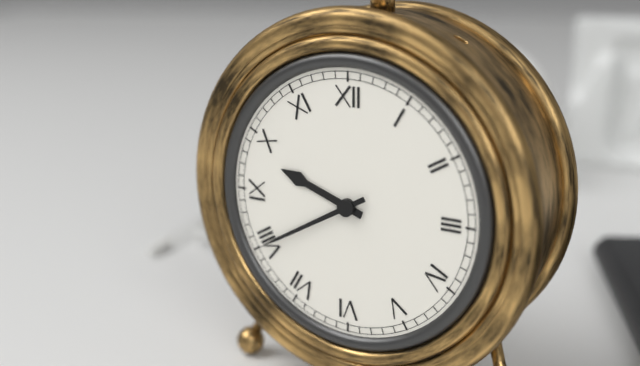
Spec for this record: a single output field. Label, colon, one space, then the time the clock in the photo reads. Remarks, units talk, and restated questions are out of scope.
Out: 9:40
